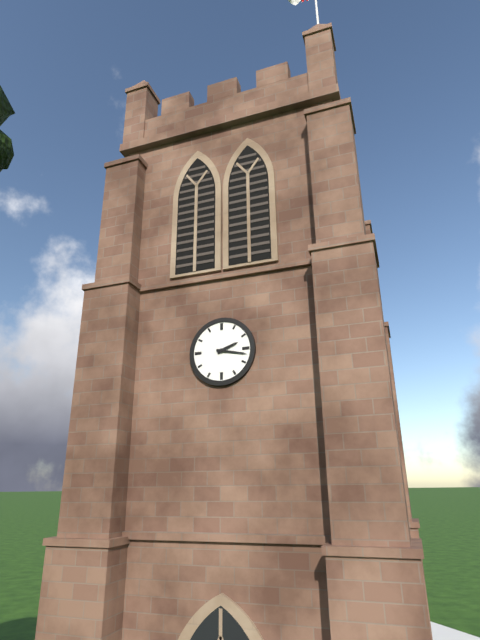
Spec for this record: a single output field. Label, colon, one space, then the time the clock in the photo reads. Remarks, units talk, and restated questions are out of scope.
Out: 2:17
